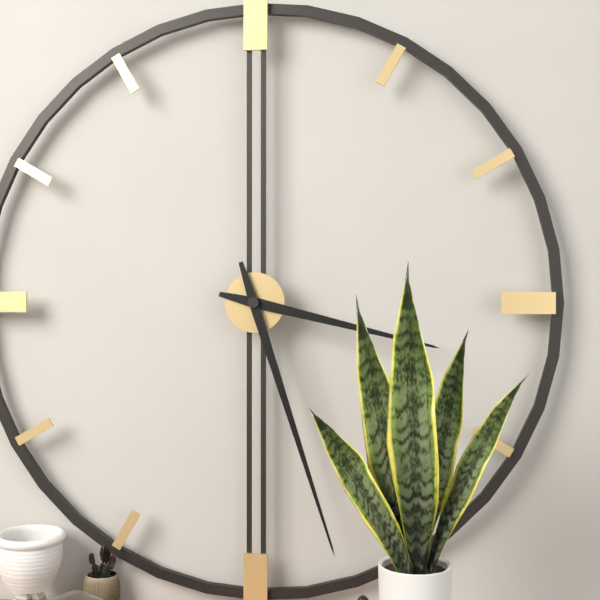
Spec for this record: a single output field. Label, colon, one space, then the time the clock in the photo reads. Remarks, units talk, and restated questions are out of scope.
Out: 3:27
